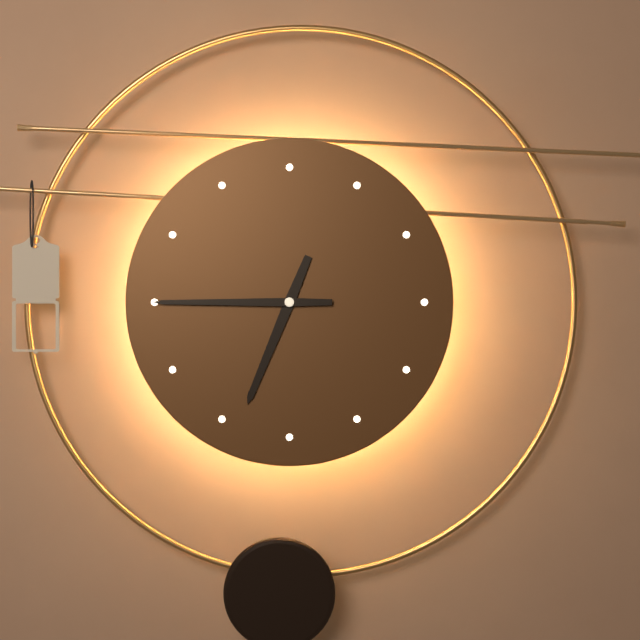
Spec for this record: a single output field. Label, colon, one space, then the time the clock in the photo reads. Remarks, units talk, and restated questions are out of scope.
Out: 6:45
